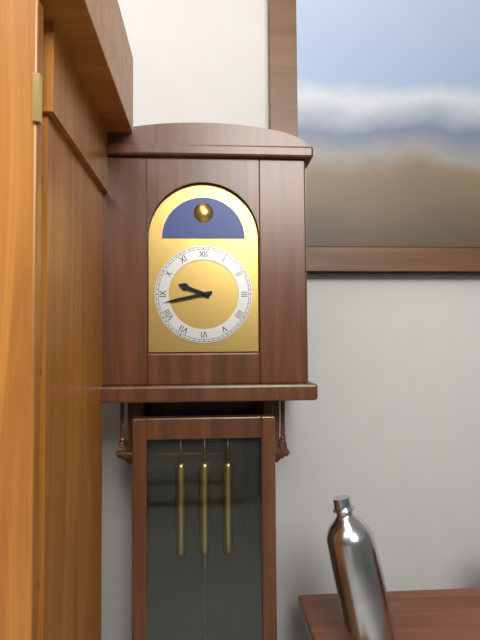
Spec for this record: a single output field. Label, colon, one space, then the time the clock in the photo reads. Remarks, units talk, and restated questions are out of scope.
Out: 9:43
